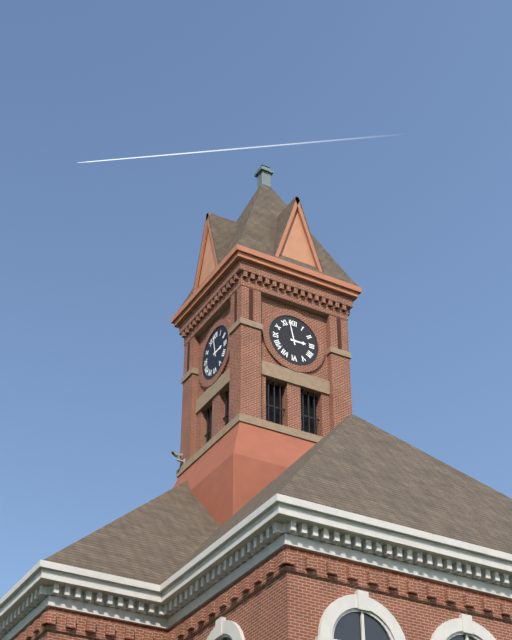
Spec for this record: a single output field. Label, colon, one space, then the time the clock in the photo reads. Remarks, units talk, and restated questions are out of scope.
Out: 2:58
